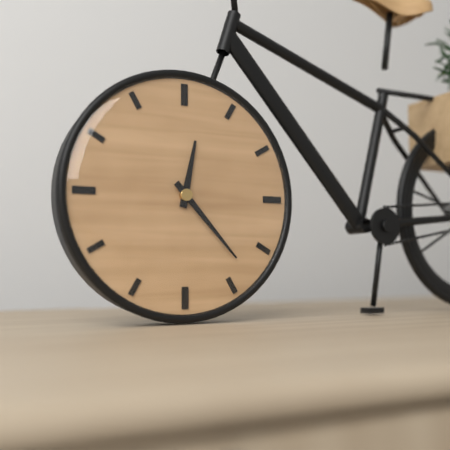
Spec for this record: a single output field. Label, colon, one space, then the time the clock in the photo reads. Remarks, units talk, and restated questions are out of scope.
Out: 12:23
